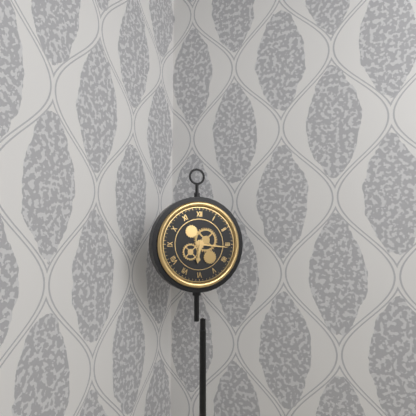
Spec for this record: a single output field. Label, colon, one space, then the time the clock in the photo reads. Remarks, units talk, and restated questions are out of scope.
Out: 6:16
